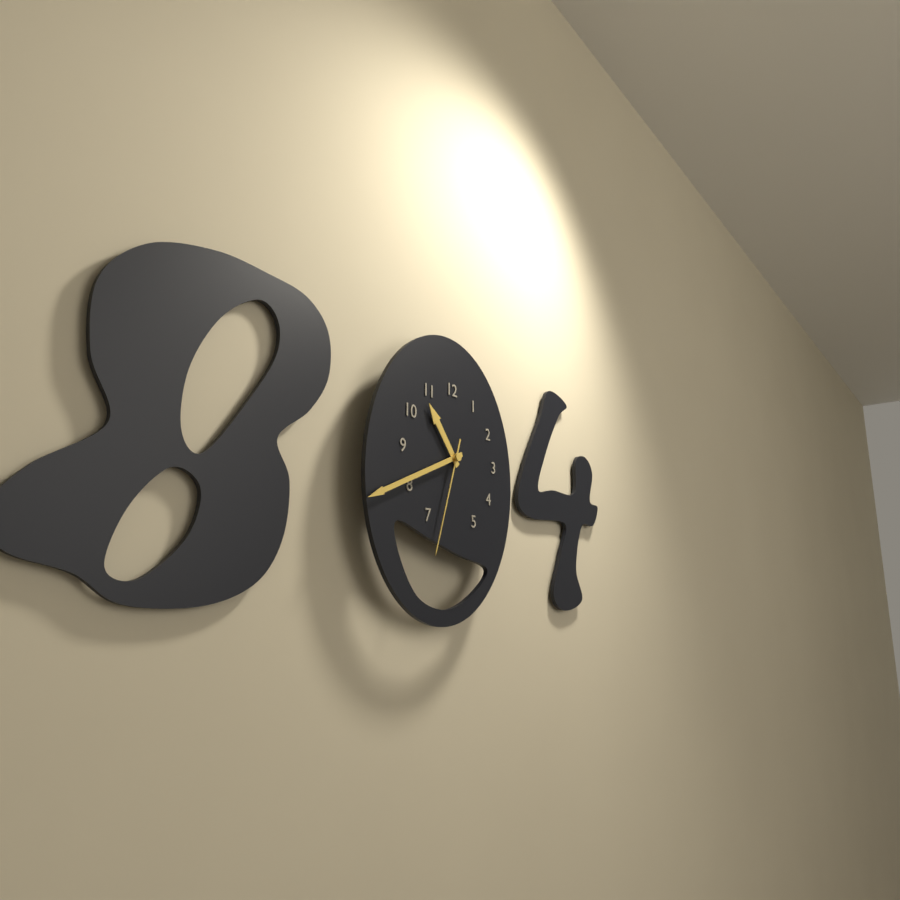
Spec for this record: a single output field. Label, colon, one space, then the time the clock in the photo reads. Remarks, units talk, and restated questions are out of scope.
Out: 10:41:33
